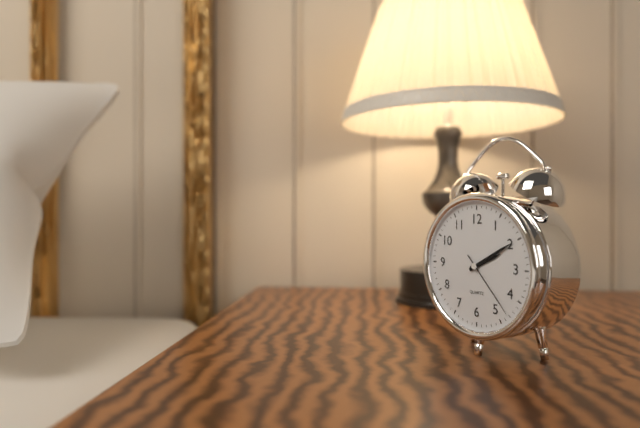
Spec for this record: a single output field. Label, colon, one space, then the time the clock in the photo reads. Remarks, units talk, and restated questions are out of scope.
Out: 2:10:23
